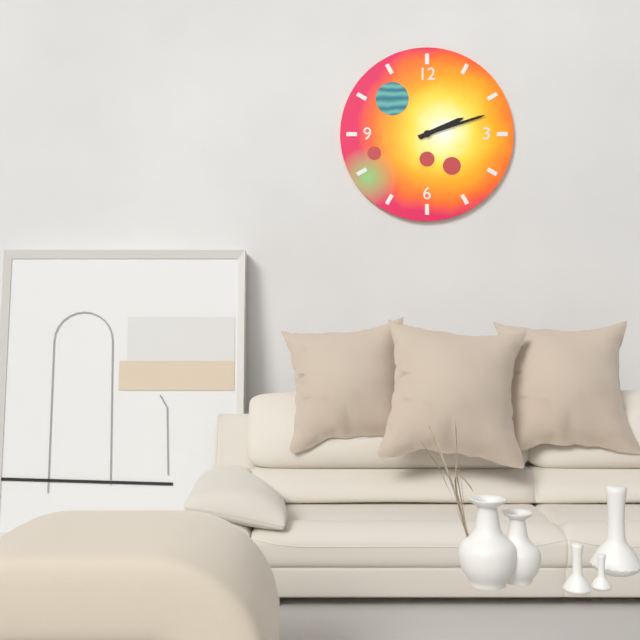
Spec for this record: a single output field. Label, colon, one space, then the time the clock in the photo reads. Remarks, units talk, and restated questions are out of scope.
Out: 2:12
